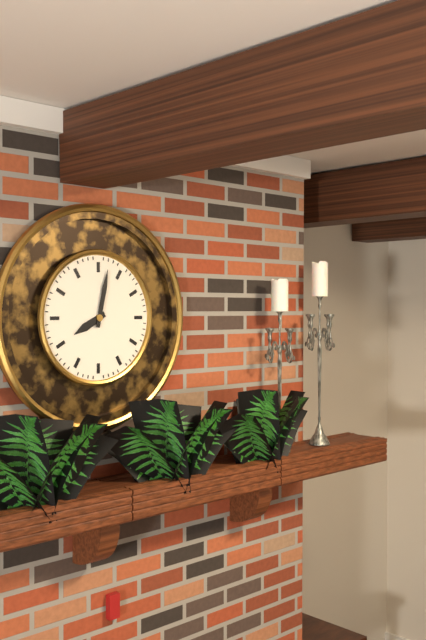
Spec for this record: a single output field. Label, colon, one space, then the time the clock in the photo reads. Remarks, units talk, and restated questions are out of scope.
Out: 8:02
